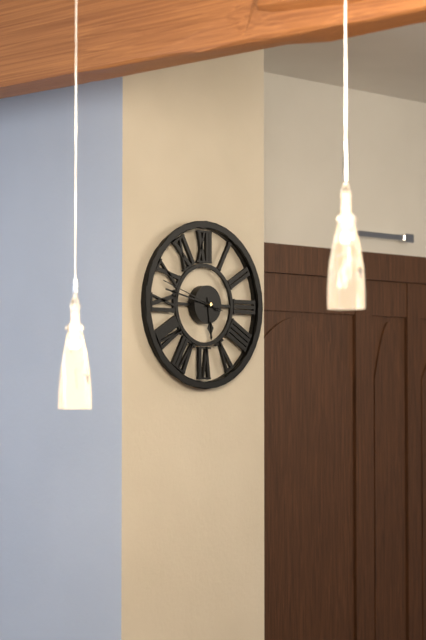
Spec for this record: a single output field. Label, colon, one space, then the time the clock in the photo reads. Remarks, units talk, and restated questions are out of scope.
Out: 5:47:48
